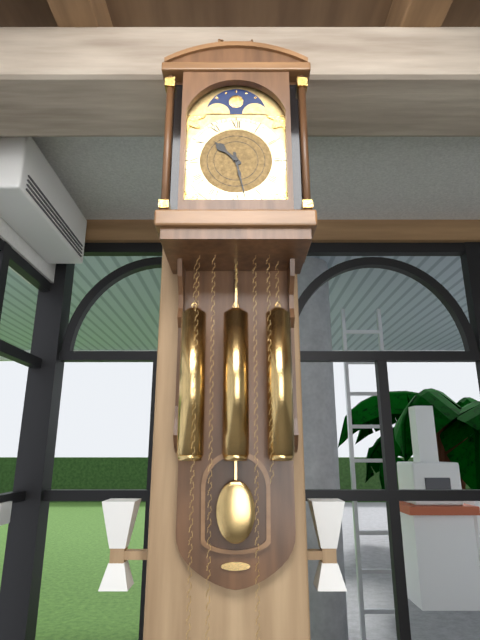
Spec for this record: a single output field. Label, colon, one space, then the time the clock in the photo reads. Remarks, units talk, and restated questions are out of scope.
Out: 10:28
